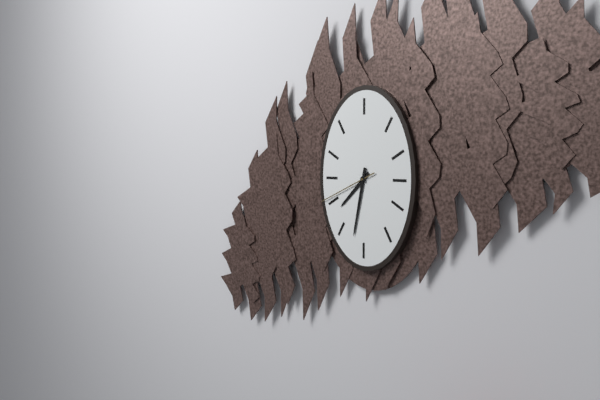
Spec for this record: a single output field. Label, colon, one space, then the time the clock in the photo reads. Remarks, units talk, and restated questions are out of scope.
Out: 7:32:41
